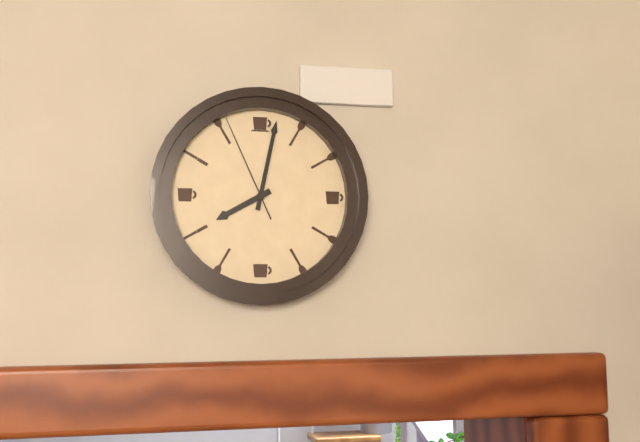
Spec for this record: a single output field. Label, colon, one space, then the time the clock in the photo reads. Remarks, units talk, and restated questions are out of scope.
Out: 8:02:56
